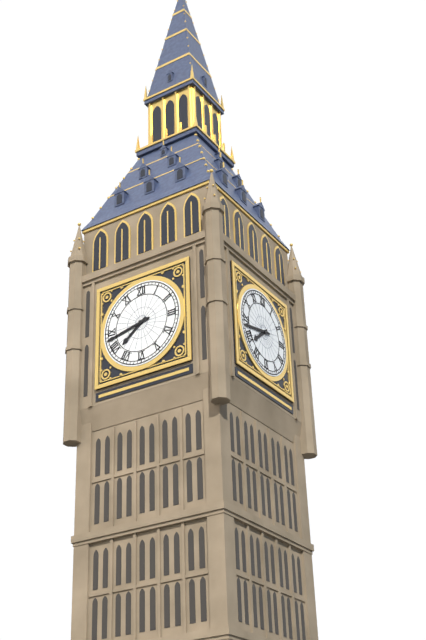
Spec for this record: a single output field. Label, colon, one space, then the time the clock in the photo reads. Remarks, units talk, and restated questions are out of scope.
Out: 7:43
